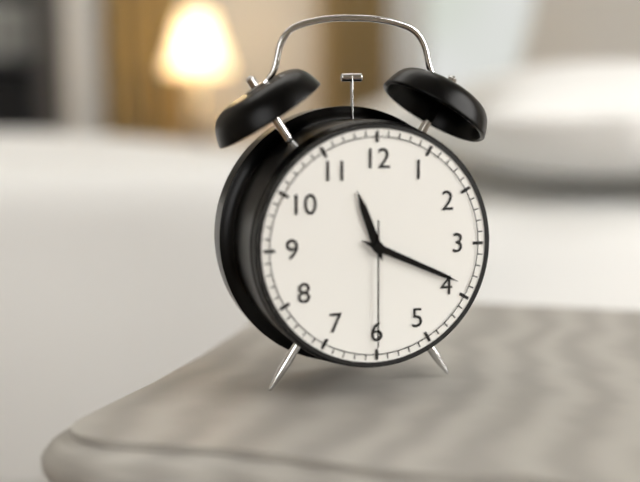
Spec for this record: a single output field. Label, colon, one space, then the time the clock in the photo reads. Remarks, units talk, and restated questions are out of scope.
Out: 11:19:30
